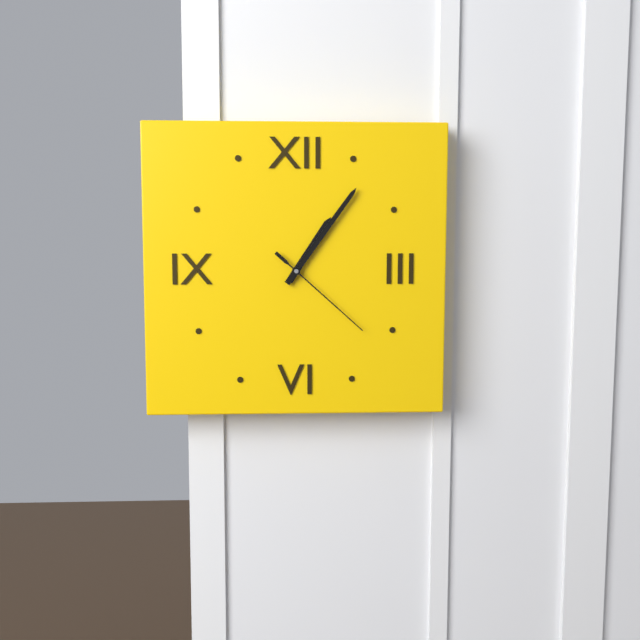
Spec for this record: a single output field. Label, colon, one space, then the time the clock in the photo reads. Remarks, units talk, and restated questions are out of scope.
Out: 1:06:22
